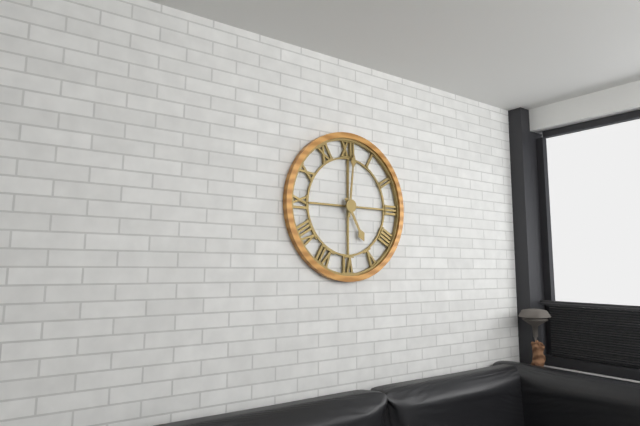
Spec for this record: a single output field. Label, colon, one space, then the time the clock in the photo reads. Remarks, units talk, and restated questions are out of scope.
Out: 5:01
